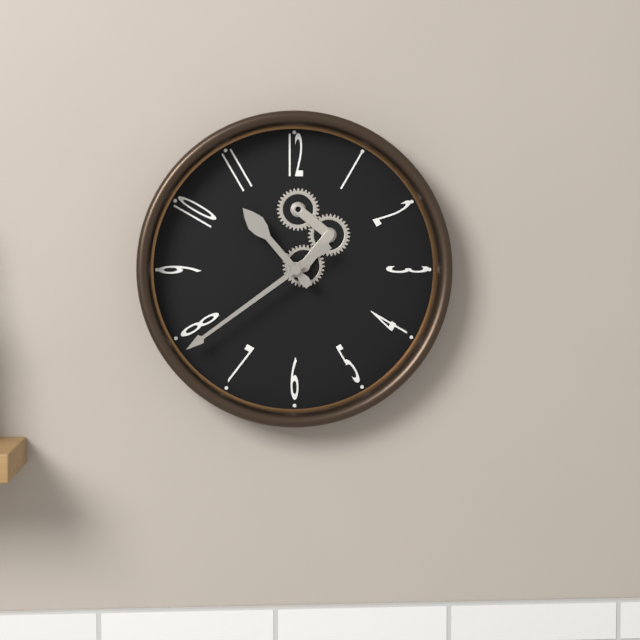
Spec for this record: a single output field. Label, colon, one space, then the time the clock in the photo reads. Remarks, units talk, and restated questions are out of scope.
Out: 10:39
